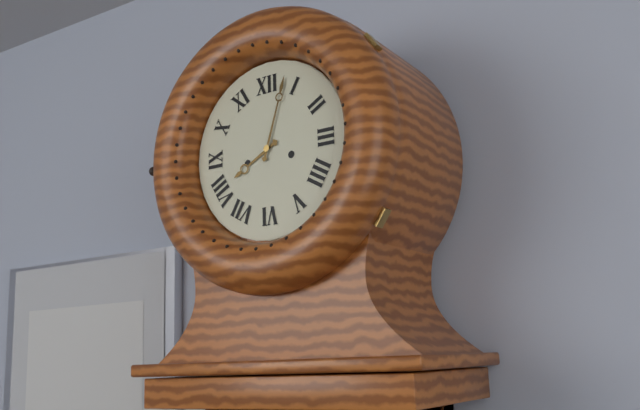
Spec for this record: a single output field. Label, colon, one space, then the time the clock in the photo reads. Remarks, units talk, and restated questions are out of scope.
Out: 8:03
